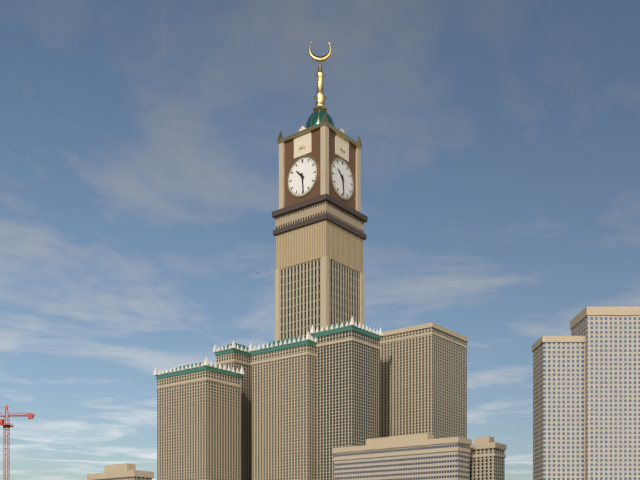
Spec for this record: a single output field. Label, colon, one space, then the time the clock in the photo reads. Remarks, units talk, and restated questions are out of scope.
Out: 10:29
